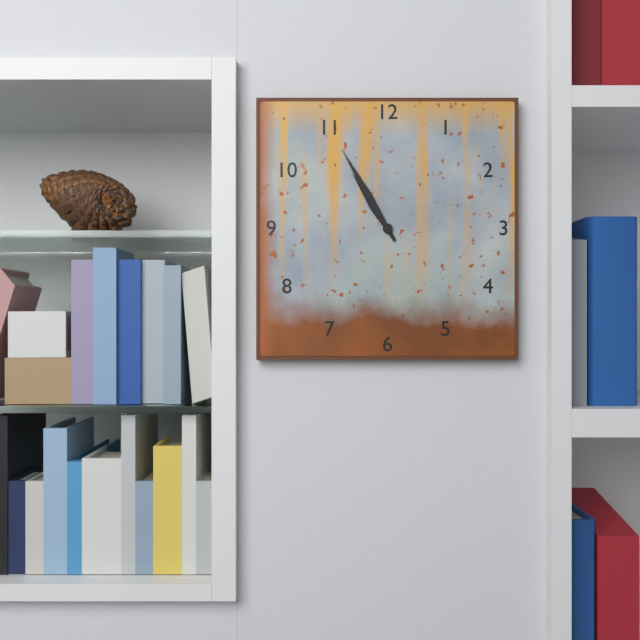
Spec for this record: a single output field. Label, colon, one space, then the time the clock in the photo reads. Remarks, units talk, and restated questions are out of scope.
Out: 10:55
